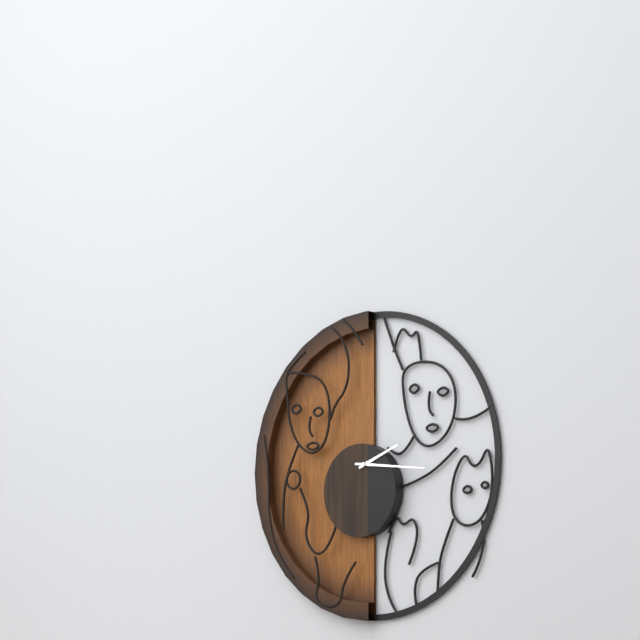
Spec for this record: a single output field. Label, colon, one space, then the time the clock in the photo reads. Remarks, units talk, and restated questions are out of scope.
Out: 2:16
